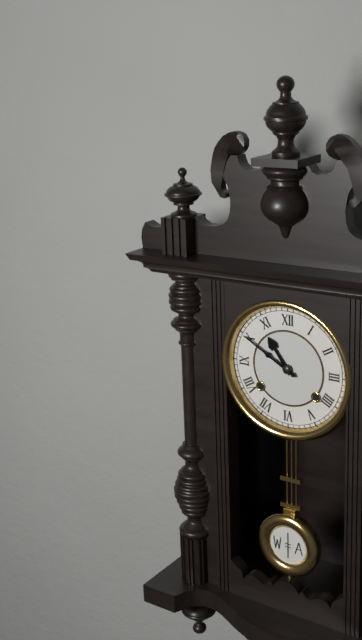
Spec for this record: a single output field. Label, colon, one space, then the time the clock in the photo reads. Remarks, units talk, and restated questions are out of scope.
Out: 10:50
